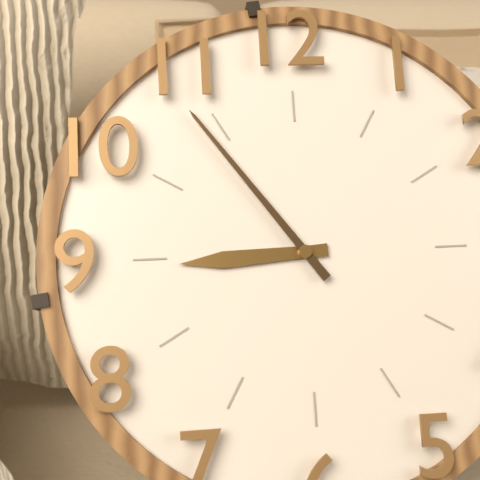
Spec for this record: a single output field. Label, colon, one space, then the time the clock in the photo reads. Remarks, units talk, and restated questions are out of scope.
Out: 8:54
